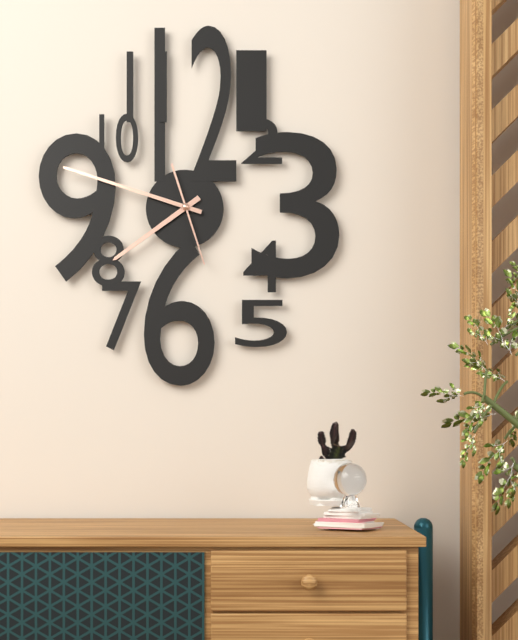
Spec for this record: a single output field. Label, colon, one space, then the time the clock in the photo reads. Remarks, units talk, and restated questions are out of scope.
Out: 7:48:27
